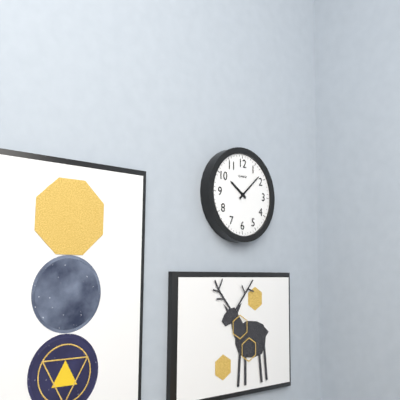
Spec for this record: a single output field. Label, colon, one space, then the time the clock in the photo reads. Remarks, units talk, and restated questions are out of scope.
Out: 10:08
